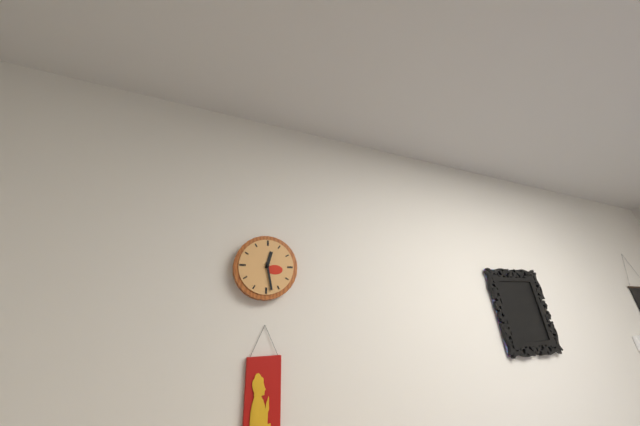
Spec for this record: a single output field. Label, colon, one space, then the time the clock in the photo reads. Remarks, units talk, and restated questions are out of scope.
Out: 12:28
